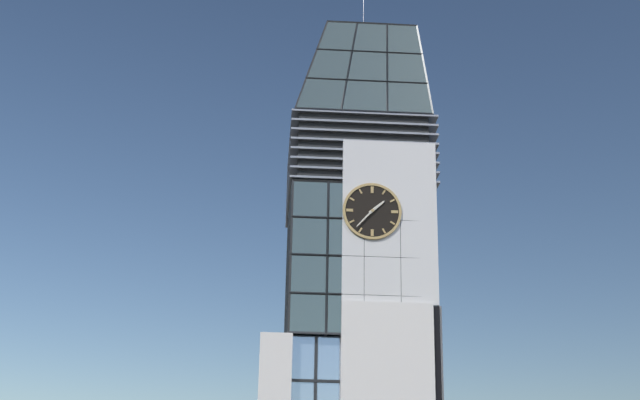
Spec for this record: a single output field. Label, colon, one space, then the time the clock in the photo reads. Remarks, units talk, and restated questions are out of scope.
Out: 1:37
